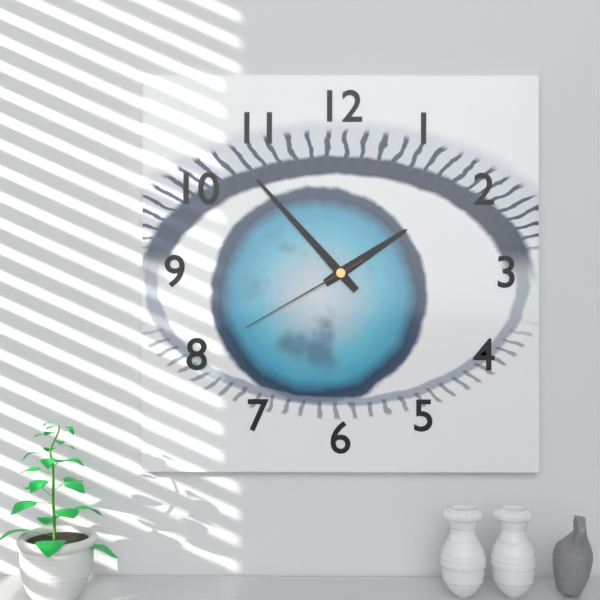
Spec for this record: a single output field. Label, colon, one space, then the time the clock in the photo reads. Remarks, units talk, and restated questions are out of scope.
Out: 1:53:40
